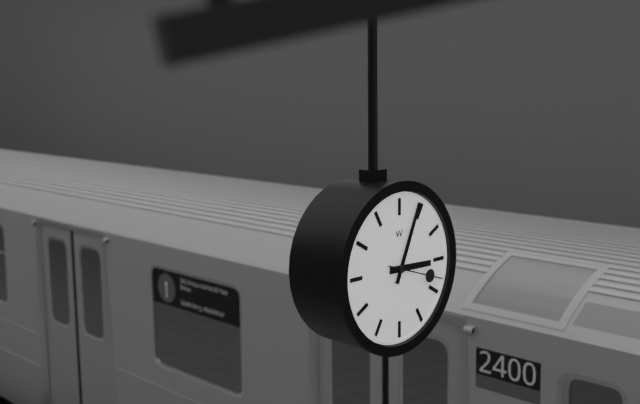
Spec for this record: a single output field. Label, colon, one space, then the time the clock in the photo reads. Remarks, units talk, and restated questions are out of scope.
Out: 3:04:18
